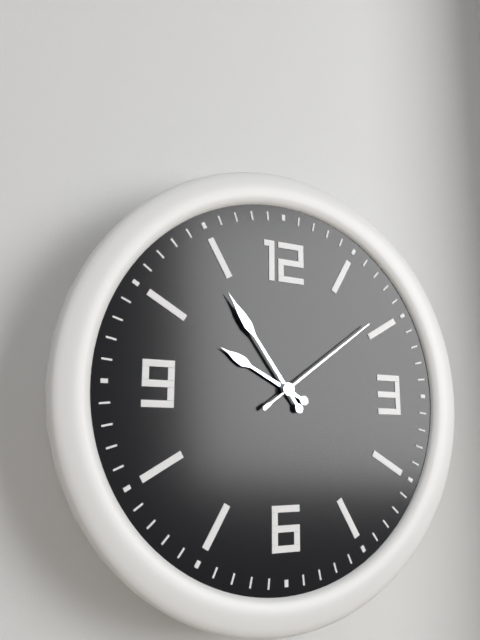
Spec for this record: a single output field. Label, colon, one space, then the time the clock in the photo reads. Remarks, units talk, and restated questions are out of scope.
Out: 9:54:09
